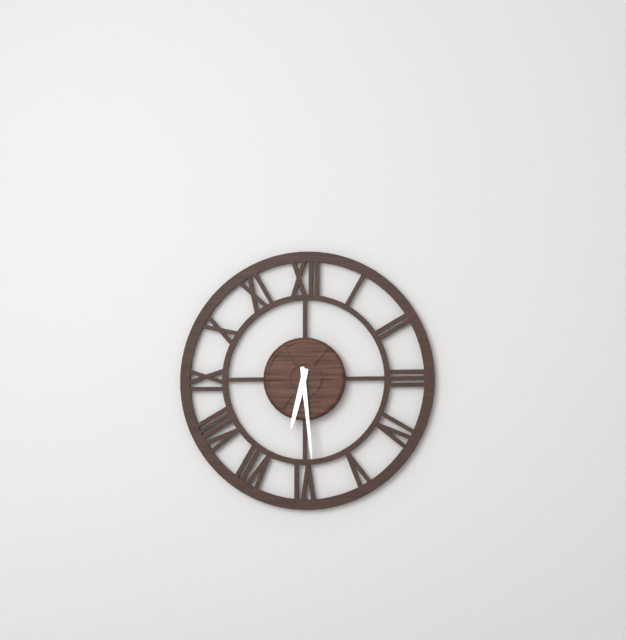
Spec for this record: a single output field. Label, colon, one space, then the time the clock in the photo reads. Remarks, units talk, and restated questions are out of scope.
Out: 6:29
